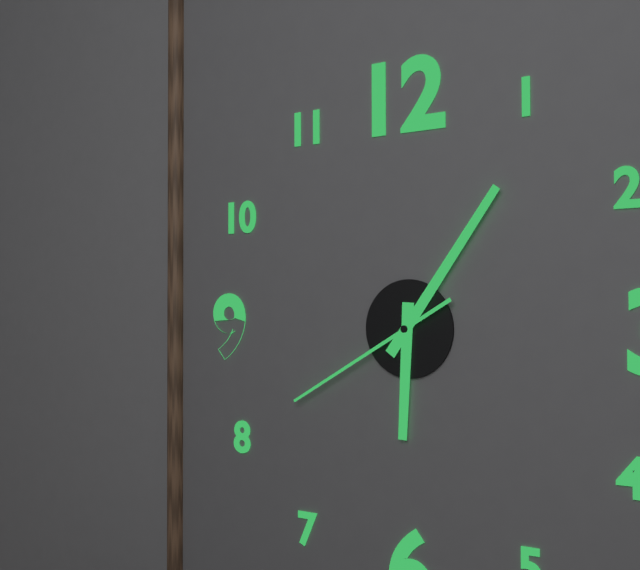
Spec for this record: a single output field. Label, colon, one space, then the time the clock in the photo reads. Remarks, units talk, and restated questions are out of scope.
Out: 6:06:40
